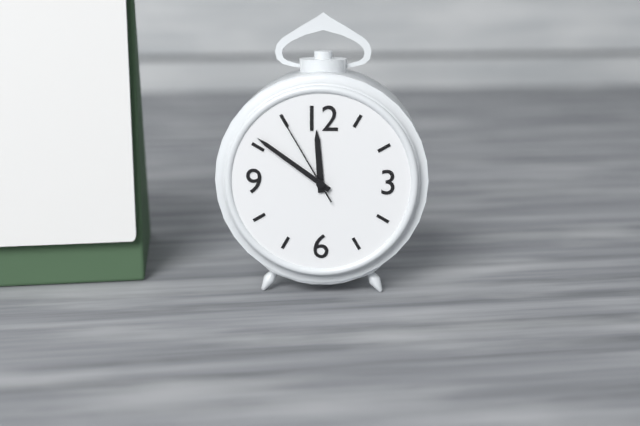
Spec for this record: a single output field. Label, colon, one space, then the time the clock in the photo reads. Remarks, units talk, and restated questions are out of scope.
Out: 11:51:55
